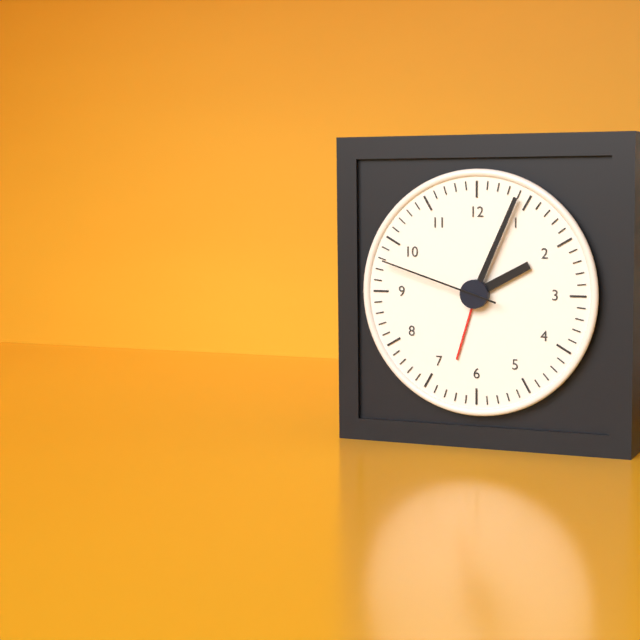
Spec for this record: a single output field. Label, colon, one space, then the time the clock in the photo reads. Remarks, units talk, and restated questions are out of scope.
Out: 2:04:48
